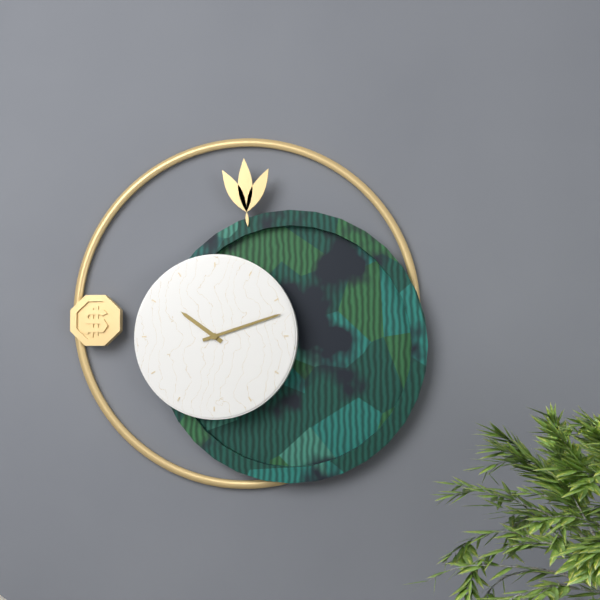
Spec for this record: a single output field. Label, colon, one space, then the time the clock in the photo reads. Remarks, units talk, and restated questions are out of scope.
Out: 10:12
